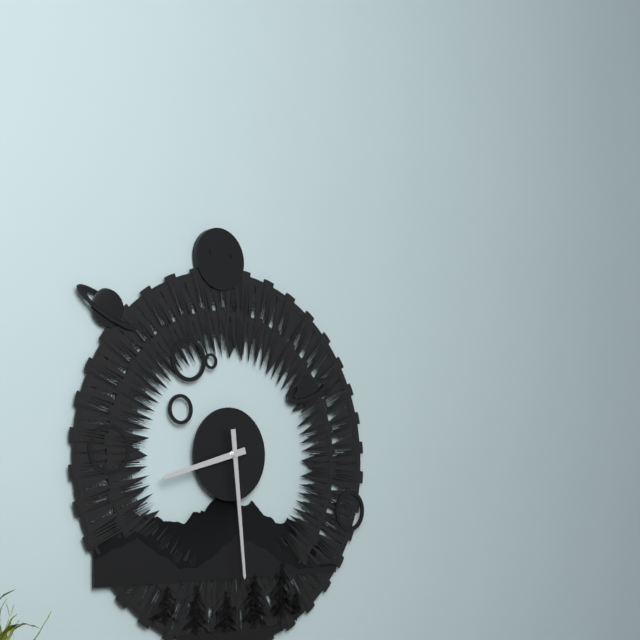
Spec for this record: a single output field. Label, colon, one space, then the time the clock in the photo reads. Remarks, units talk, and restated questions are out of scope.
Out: 8:29
